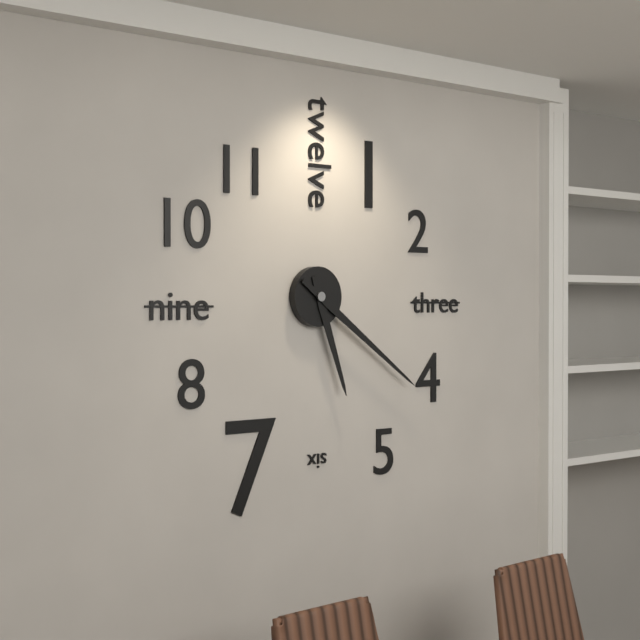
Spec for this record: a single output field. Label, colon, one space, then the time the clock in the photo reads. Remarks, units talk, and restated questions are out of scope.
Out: 5:21
